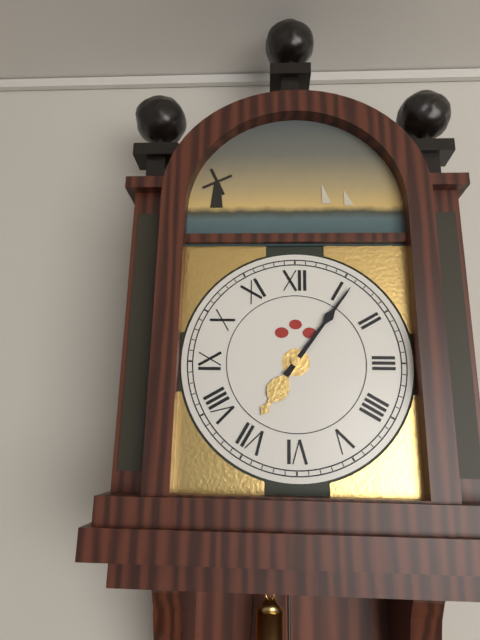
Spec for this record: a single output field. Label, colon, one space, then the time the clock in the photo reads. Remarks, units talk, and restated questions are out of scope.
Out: 7:06
